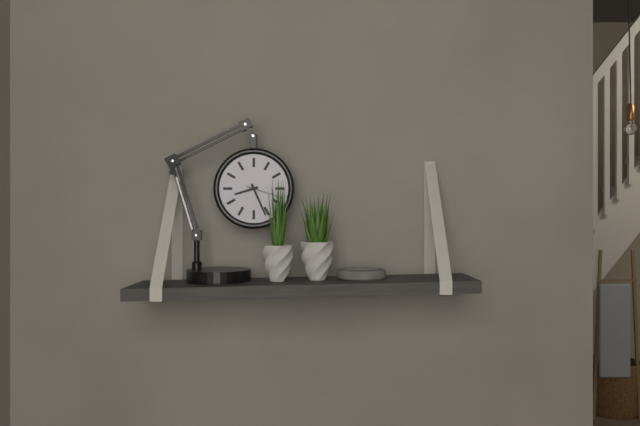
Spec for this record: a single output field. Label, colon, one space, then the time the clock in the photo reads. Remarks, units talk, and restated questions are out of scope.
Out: 8:26
